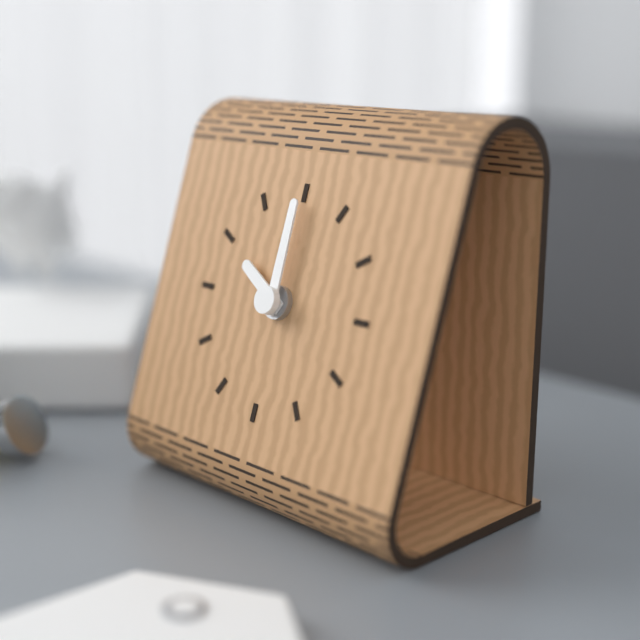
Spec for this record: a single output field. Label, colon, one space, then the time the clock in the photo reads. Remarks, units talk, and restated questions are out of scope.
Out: 10:00
